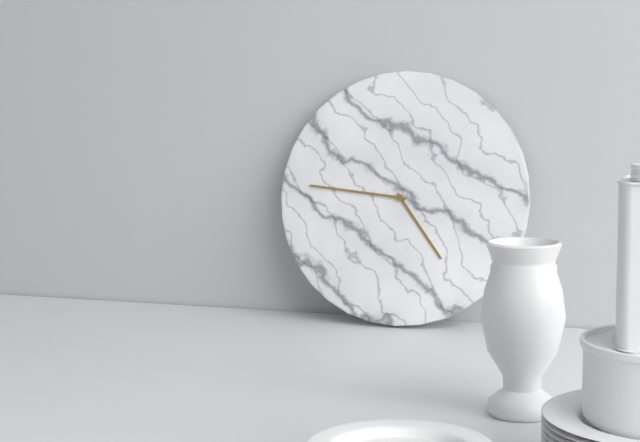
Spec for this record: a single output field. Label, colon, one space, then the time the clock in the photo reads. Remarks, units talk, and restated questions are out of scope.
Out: 4:46
